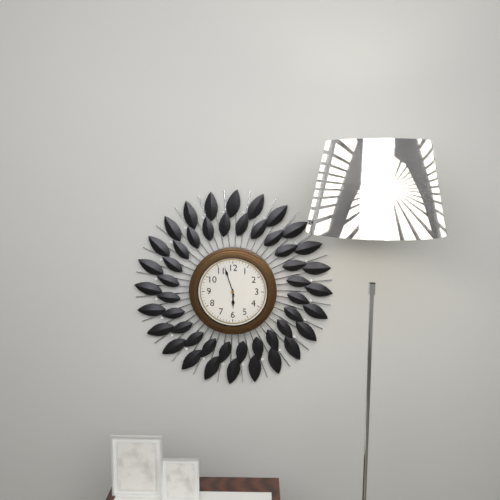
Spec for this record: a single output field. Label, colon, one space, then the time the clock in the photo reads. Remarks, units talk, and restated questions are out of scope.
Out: 5:57
